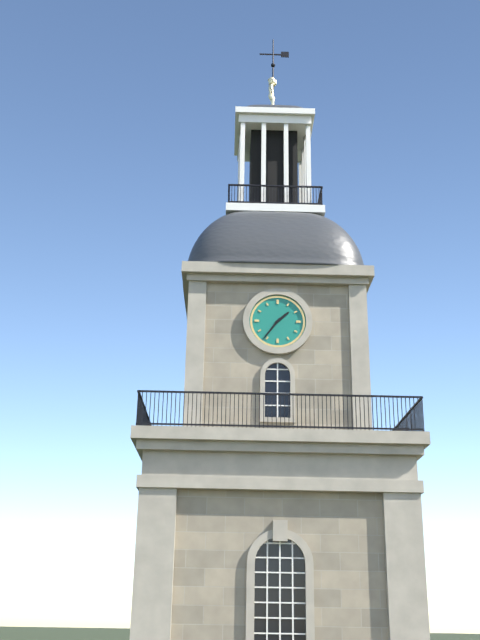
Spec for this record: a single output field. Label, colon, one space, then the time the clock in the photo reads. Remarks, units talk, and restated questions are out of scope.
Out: 1:36
